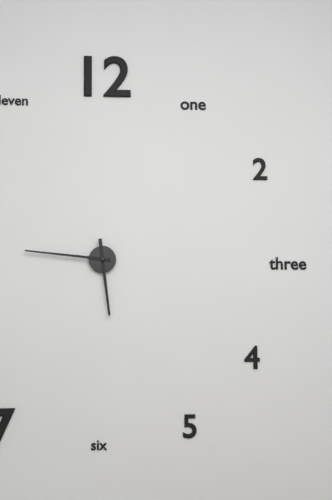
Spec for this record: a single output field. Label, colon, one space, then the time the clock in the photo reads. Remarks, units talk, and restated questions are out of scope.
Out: 5:46
